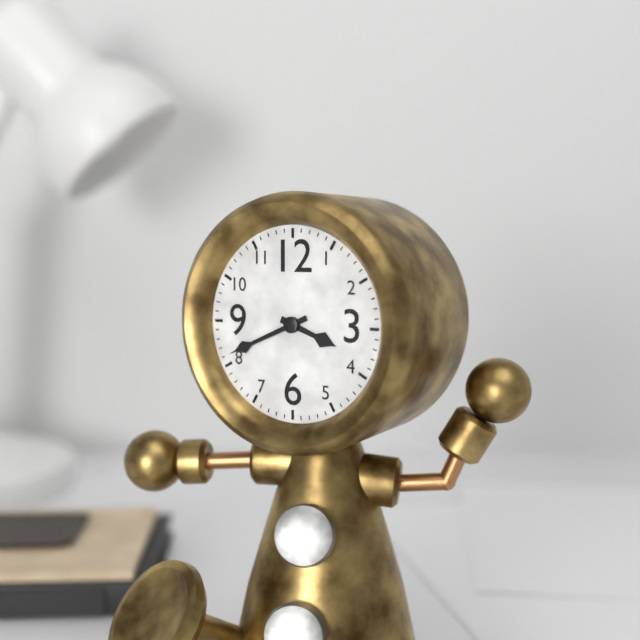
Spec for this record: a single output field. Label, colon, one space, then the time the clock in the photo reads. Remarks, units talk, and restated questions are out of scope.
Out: 3:41
